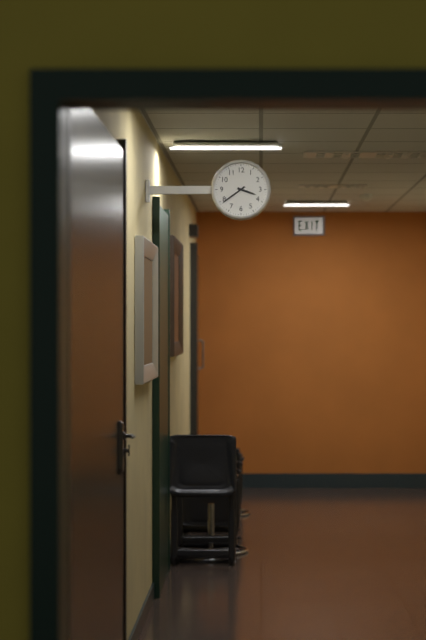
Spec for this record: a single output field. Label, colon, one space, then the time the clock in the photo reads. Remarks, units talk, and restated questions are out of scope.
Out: 3:39
